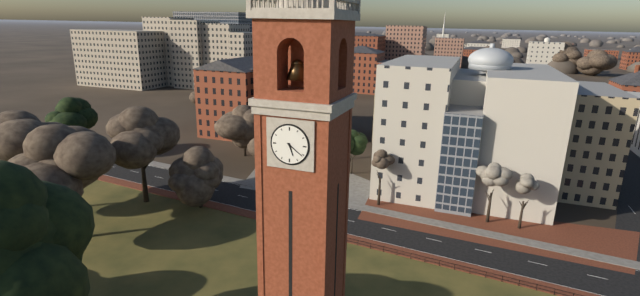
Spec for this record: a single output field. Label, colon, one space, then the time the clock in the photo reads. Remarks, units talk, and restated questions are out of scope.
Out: 5:21
